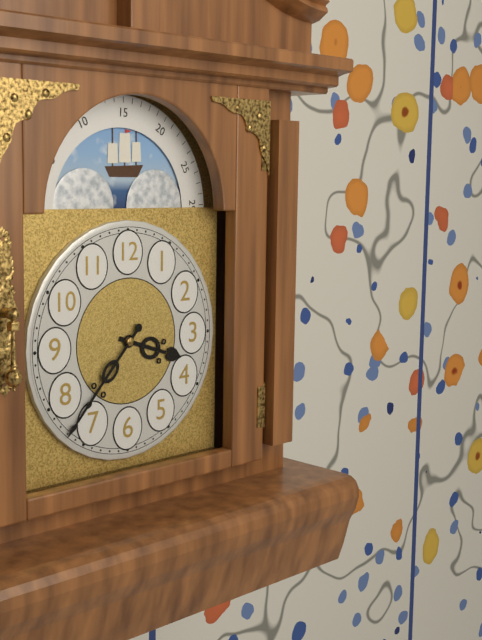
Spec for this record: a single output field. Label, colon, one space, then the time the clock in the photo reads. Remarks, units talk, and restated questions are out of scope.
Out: 3:37
